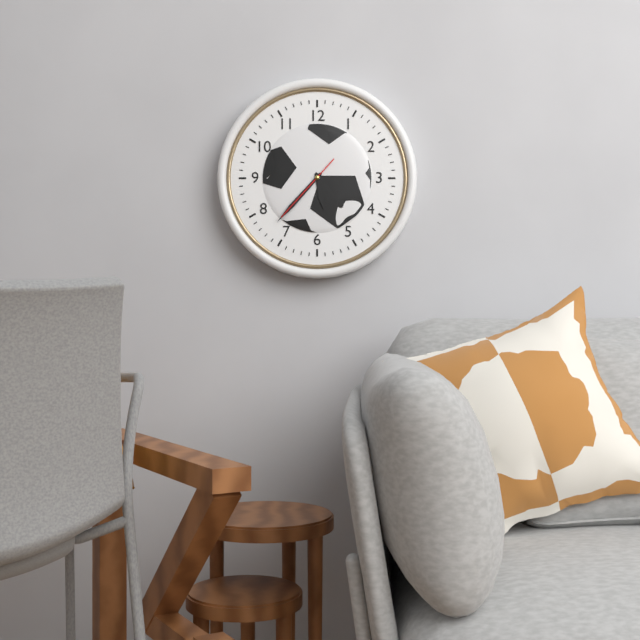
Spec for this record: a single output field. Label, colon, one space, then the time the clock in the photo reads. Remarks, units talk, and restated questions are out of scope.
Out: 5:37:37
